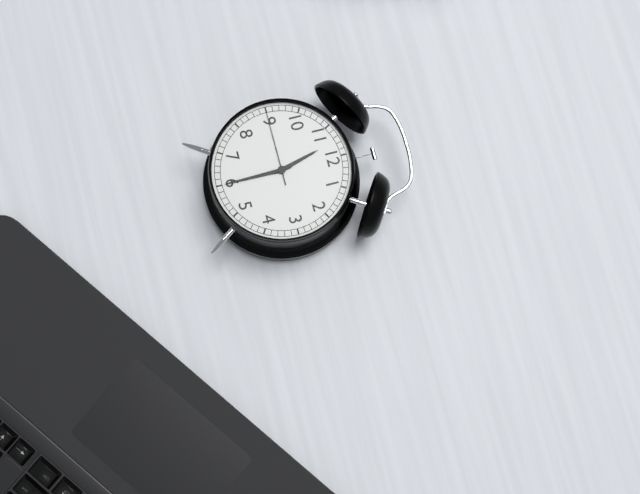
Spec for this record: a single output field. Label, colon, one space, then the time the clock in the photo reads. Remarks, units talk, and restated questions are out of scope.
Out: 11:30:45
